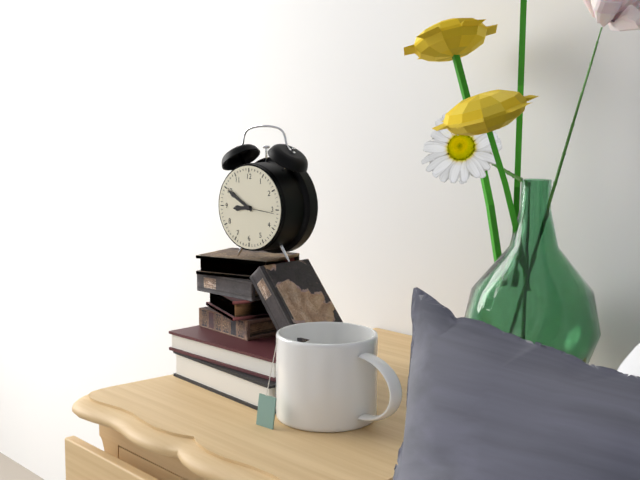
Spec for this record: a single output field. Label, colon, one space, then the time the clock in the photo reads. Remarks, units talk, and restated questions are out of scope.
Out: 8:50
